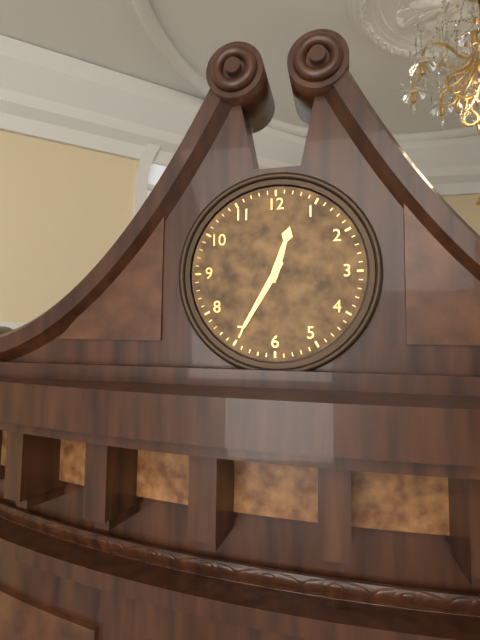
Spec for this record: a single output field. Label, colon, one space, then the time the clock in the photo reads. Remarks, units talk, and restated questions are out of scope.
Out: 12:35
